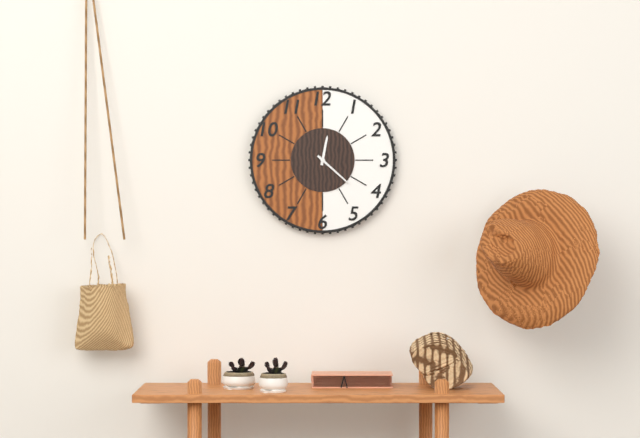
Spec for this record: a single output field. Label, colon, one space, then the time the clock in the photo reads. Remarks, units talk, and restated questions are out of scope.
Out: 12:22
